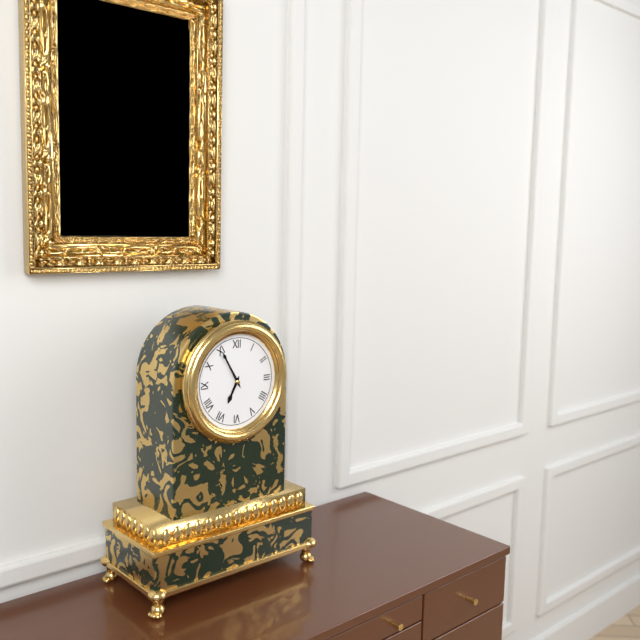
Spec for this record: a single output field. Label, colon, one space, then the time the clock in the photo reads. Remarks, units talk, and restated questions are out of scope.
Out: 6:55
